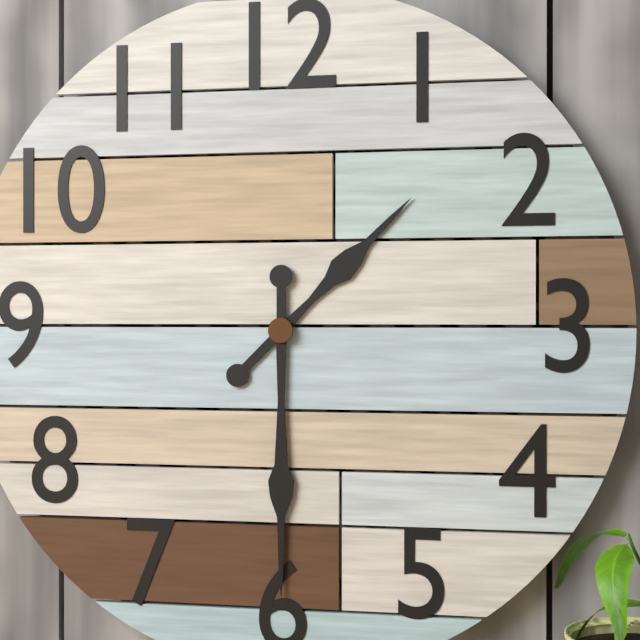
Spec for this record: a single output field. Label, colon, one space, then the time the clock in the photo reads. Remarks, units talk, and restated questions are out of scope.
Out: 1:30
